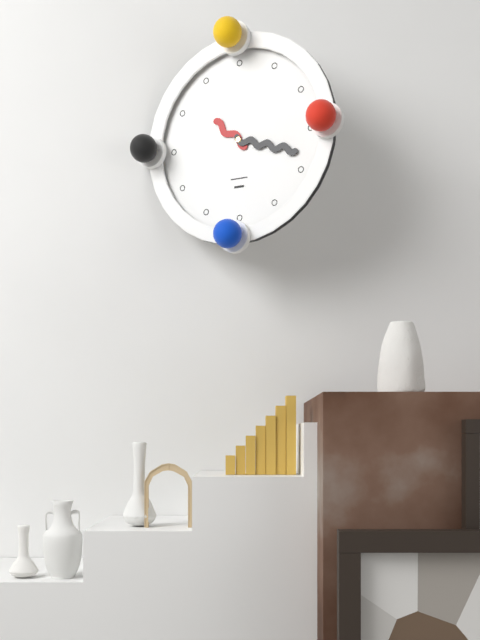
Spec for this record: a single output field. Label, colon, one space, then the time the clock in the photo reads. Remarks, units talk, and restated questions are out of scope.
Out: 10:18
